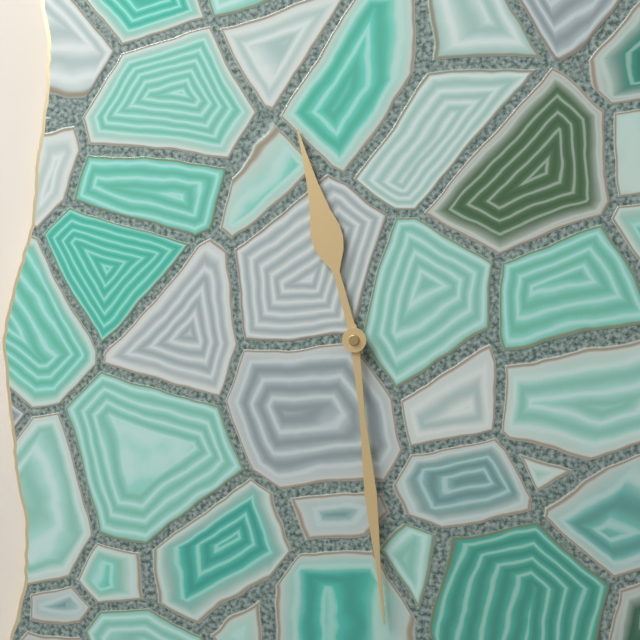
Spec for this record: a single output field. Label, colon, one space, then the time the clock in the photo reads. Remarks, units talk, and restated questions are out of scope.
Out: 11:29
